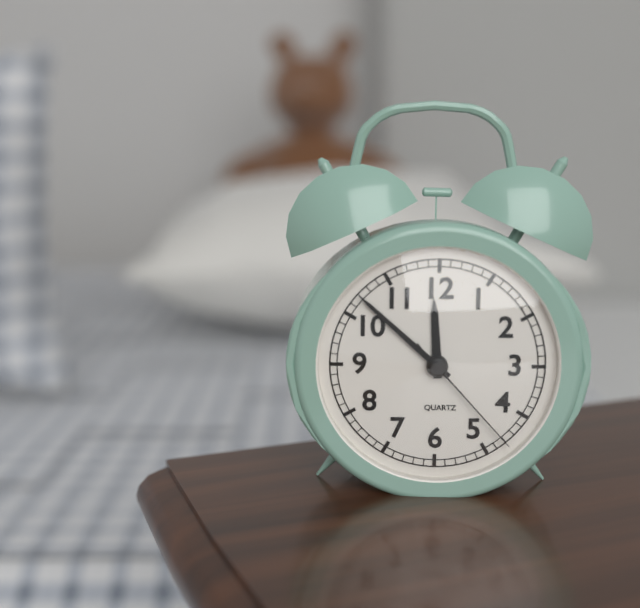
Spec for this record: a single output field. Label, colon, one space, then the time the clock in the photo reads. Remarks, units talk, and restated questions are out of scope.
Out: 11:52:23
